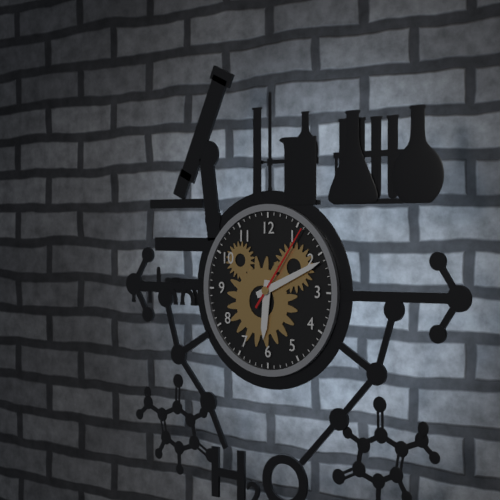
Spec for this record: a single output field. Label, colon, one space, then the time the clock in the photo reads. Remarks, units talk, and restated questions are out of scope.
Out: 6:11:06
